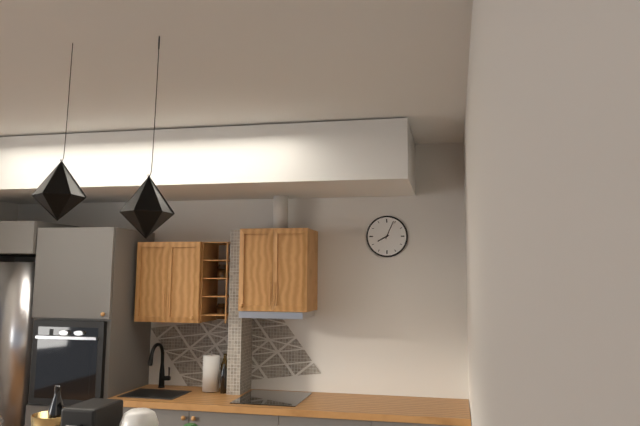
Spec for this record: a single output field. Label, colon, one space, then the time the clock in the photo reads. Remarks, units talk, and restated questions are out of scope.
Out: 8:04
